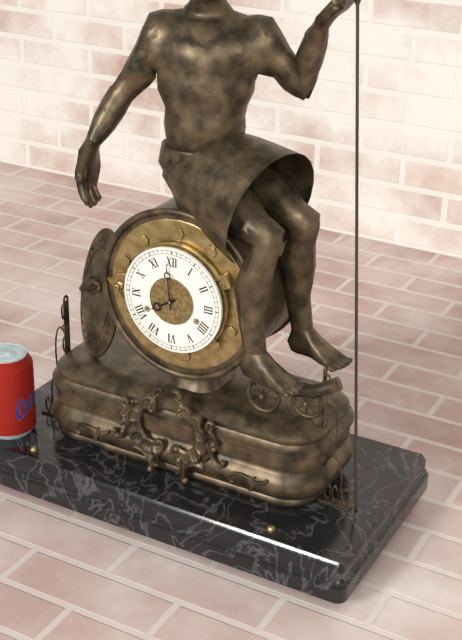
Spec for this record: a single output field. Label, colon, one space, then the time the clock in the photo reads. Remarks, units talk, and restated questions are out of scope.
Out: 7:59
